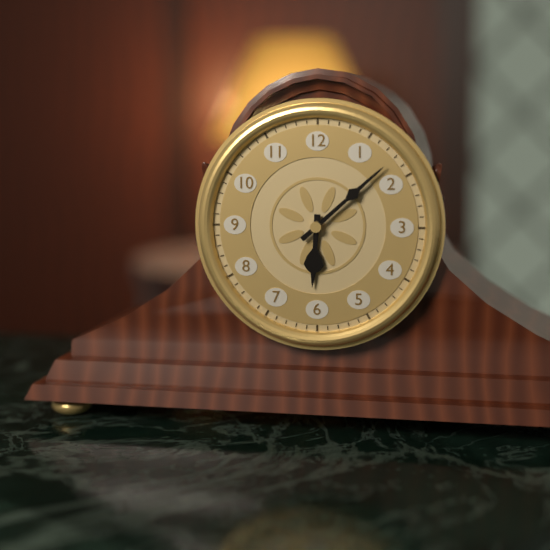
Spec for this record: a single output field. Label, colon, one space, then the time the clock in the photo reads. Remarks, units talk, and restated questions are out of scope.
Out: 6:08
